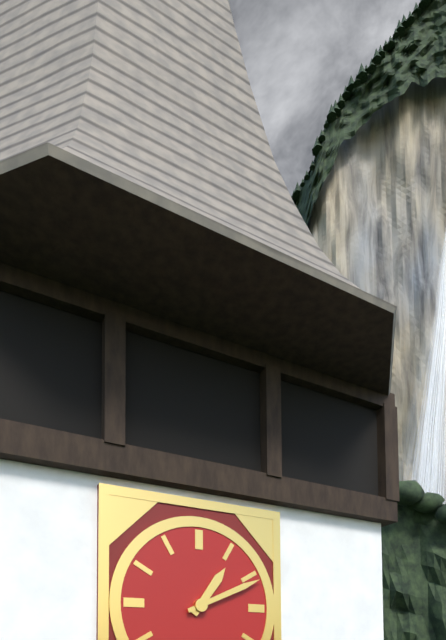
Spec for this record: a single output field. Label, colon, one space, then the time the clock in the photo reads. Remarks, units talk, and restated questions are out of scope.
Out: 1:11
